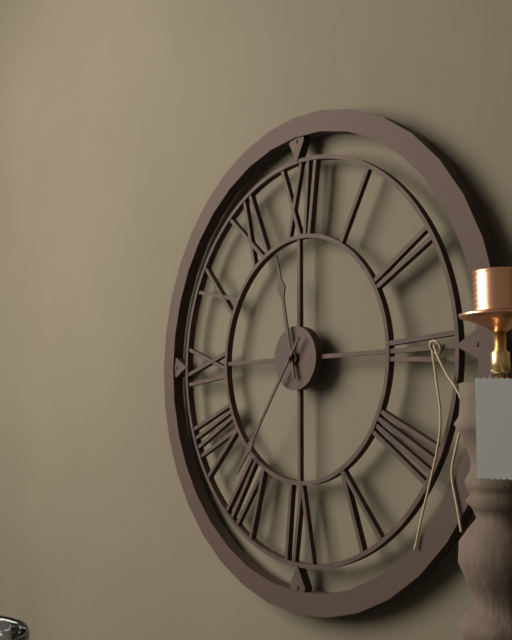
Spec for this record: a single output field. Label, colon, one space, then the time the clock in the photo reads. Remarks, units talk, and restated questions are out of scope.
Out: 11:36
